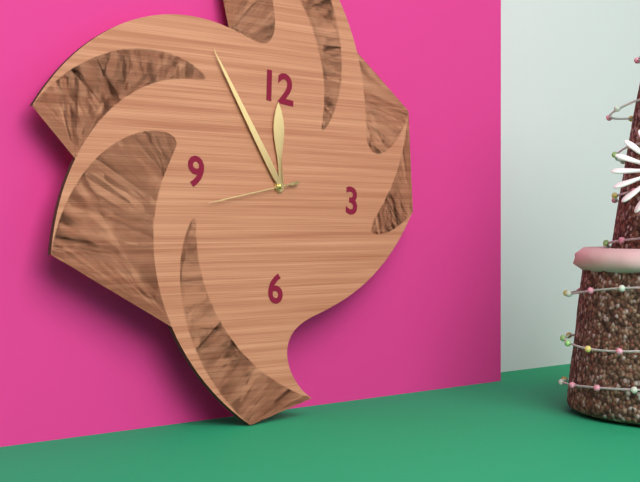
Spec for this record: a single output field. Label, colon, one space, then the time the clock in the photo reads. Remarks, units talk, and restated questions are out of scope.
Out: 11:54:42
